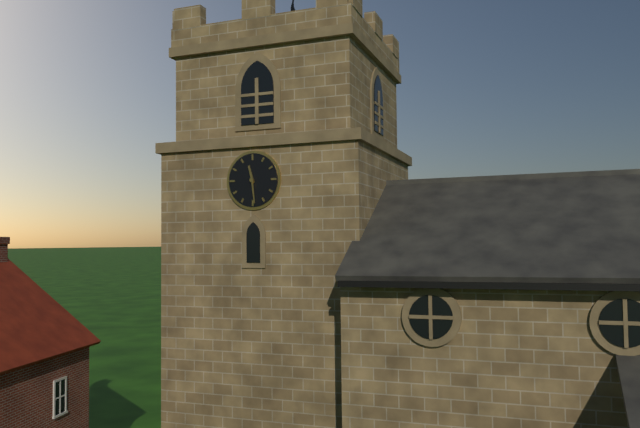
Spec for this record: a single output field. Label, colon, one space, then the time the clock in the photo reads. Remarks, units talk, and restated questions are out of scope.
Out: 11:29
